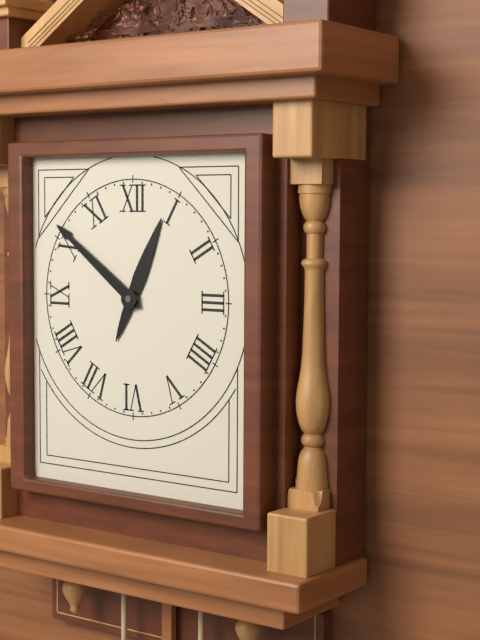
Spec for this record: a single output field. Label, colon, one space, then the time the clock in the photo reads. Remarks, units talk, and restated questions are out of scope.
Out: 12:51
